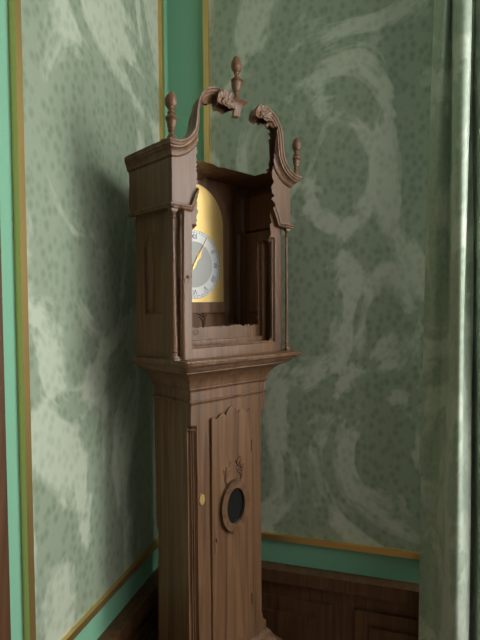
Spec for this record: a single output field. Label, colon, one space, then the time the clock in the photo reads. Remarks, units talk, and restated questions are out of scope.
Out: 1:05
